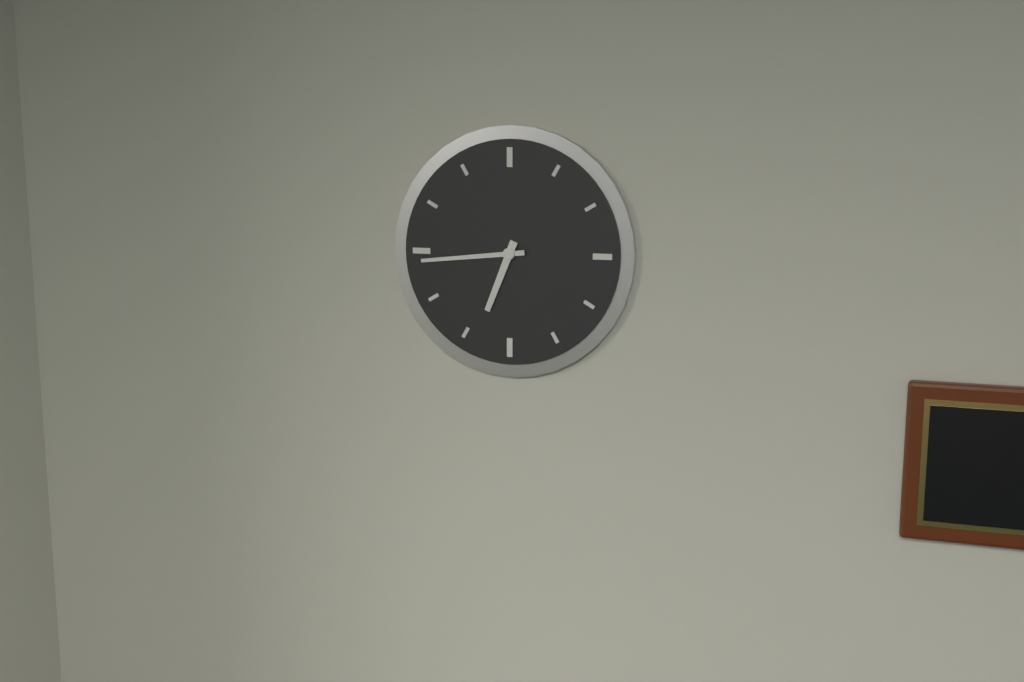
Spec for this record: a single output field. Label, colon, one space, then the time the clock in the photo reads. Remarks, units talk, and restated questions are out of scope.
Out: 6:44
